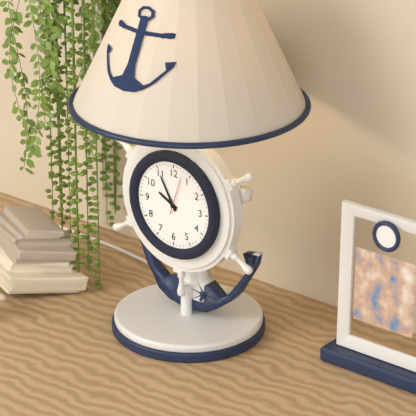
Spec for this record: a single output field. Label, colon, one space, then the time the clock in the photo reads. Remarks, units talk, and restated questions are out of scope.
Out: 9:55
